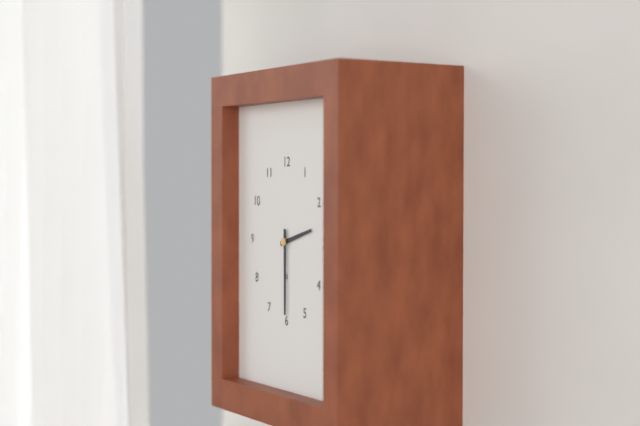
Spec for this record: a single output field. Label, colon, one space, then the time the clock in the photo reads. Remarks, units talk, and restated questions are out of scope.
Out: 2:30
